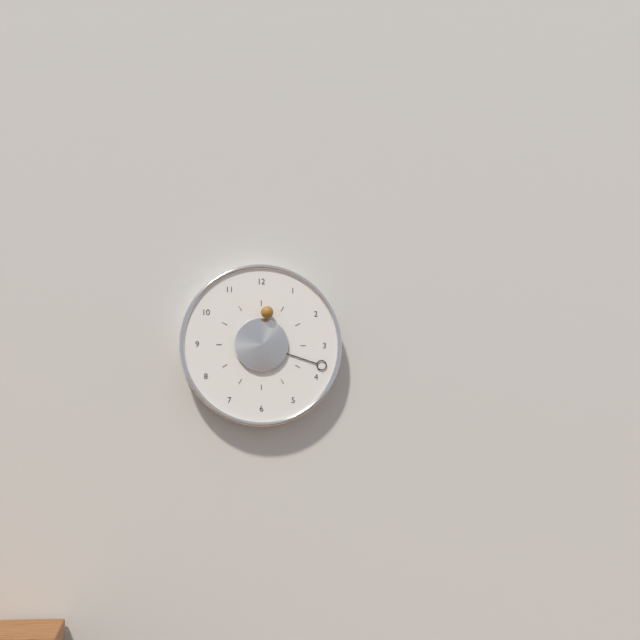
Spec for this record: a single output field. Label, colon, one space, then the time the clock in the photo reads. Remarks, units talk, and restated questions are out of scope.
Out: 12:18
